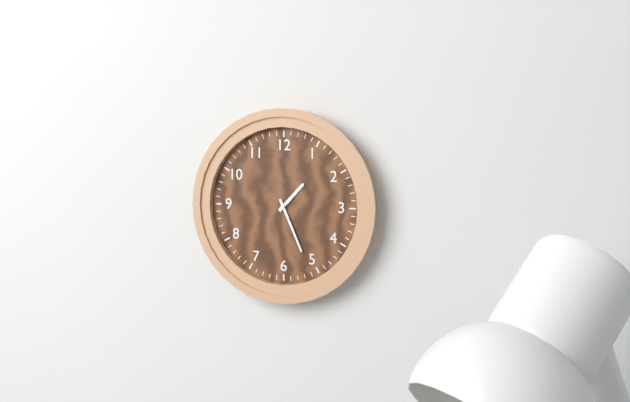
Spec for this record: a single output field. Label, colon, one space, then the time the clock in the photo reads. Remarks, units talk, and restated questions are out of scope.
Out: 1:26
